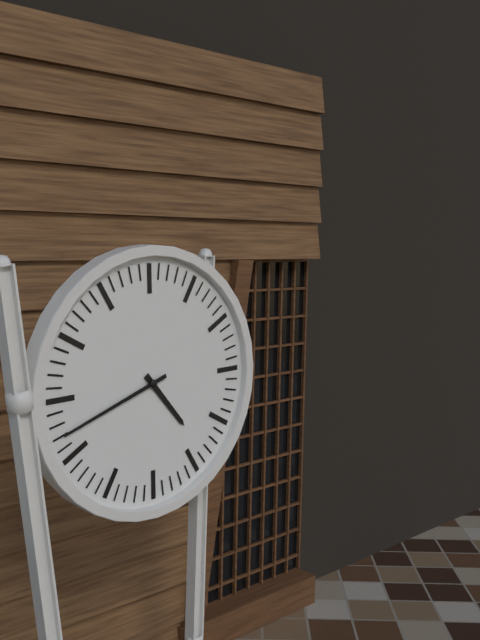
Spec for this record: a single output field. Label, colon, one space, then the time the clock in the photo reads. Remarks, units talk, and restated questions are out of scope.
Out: 4:42
